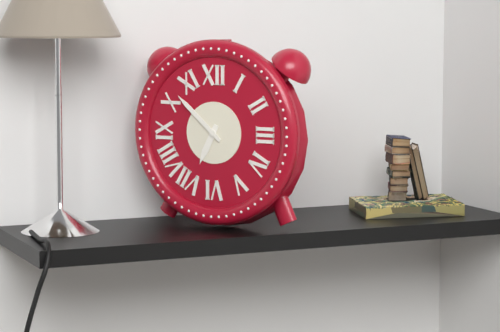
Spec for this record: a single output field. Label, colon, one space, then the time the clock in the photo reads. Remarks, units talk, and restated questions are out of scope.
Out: 6:52
